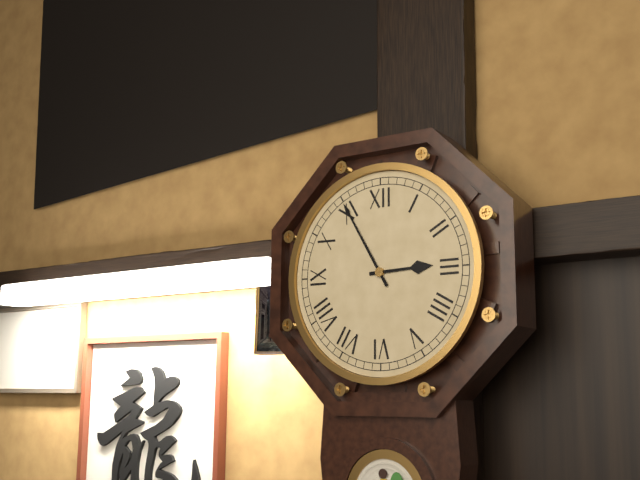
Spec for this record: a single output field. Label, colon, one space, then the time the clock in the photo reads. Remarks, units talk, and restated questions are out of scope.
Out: 2:55
